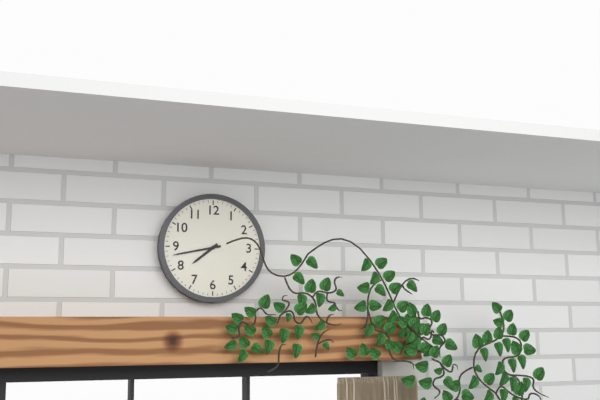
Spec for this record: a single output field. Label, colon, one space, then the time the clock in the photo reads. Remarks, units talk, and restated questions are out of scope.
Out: 7:43
